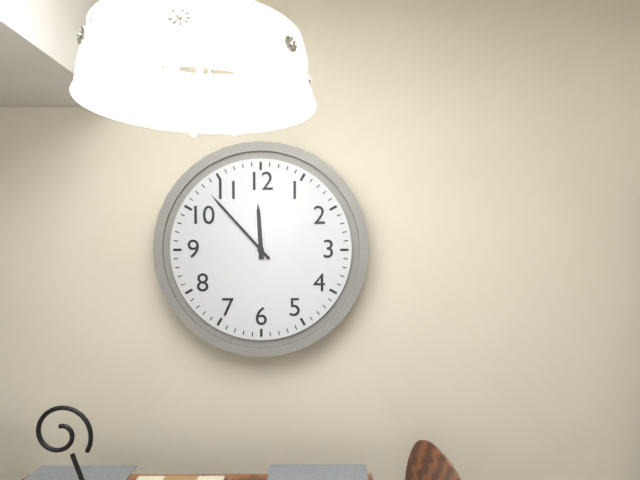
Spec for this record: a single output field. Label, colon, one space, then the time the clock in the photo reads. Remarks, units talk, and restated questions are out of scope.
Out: 11:53
